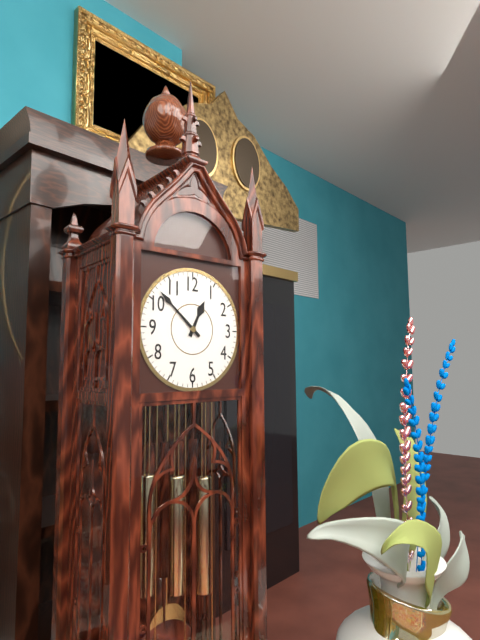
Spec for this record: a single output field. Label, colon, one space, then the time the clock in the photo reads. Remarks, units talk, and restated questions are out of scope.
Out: 12:52
